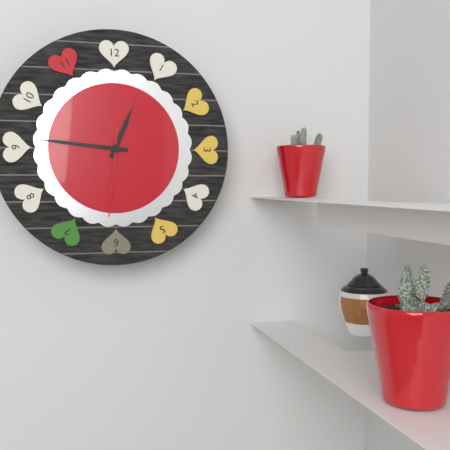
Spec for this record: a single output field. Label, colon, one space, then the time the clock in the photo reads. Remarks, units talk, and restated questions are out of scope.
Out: 12:46:31
